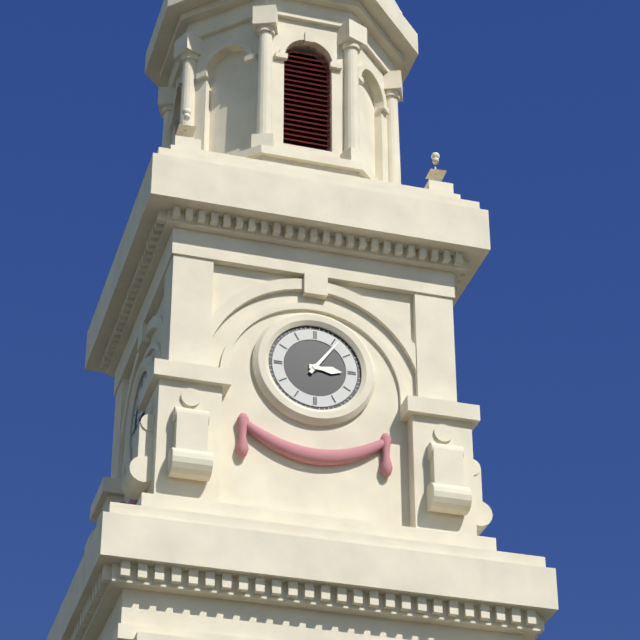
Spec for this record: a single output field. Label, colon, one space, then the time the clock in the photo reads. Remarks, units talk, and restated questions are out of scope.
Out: 3:06
